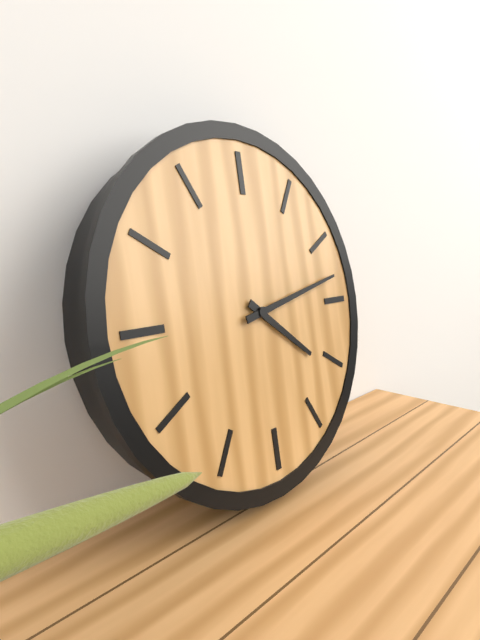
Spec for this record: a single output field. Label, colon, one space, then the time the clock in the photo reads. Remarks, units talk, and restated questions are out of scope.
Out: 4:13
